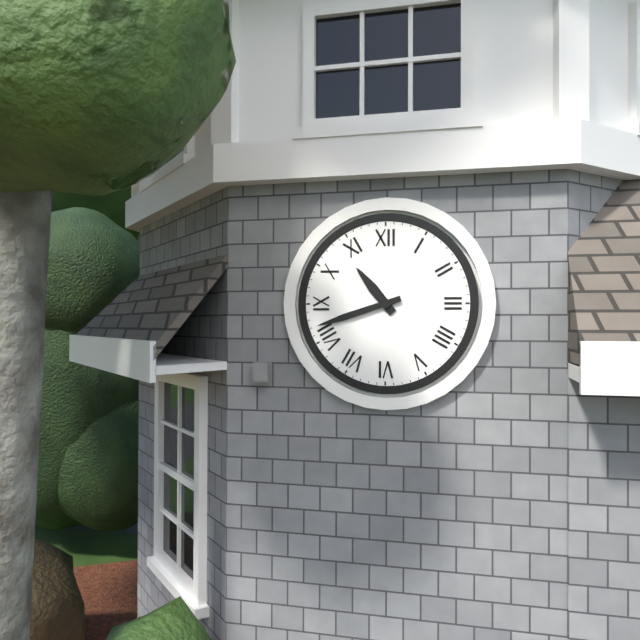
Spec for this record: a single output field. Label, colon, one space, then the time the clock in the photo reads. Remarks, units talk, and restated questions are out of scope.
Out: 10:42
